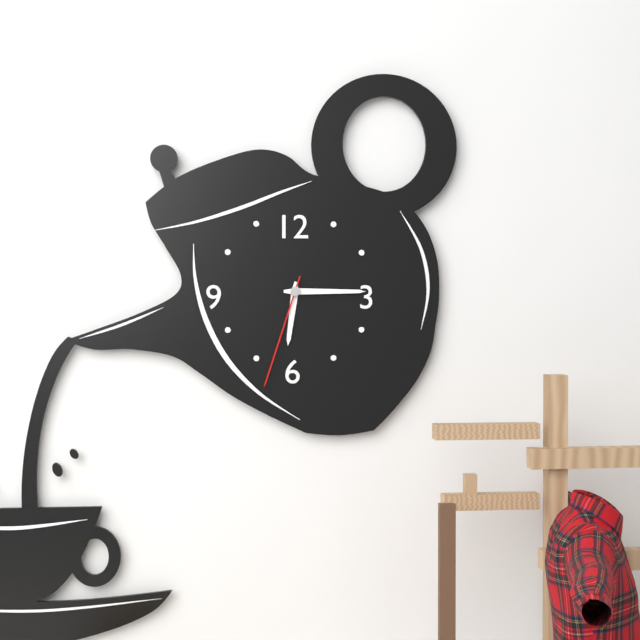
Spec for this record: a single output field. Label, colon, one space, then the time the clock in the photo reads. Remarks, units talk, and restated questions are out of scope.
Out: 6:15:33
